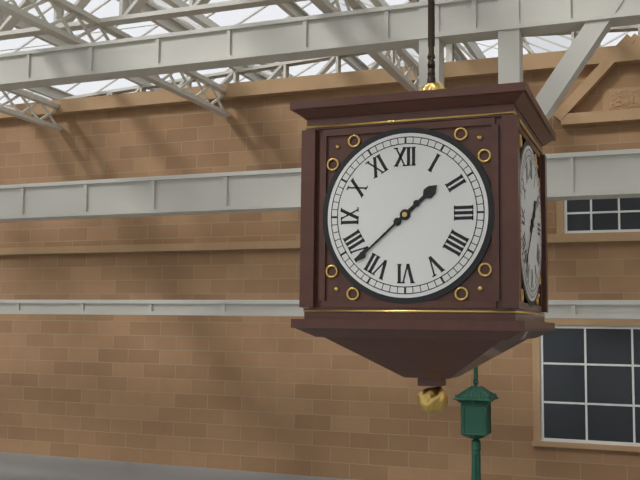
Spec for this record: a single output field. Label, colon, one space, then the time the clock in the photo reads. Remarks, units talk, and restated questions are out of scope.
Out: 1:38
